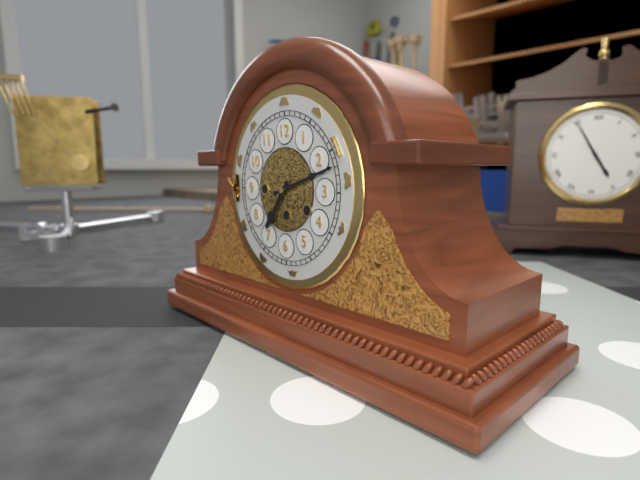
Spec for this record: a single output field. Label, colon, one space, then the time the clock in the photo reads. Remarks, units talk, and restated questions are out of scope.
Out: 7:12
